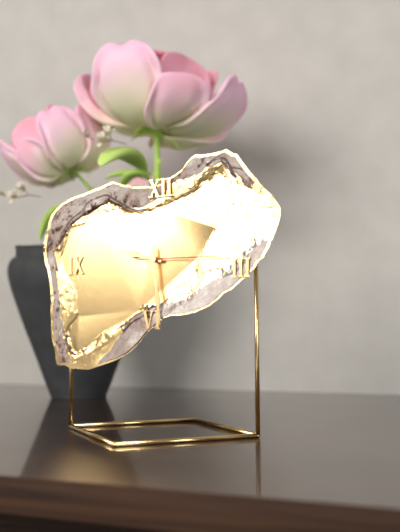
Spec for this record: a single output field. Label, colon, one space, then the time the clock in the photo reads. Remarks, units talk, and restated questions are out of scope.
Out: 9:29:15
